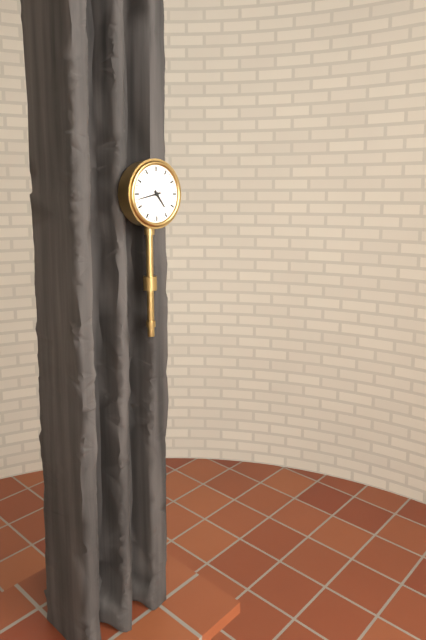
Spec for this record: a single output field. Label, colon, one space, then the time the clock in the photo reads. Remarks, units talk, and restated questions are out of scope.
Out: 4:43
